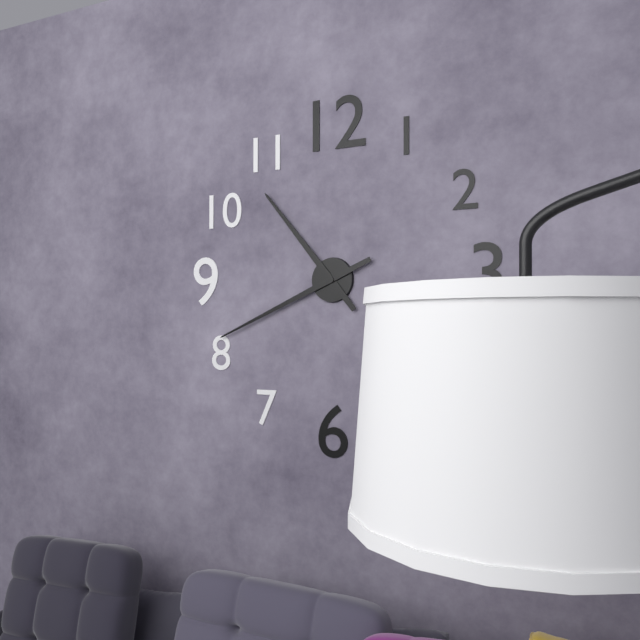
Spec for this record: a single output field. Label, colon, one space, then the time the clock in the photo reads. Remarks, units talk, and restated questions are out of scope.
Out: 10:41
